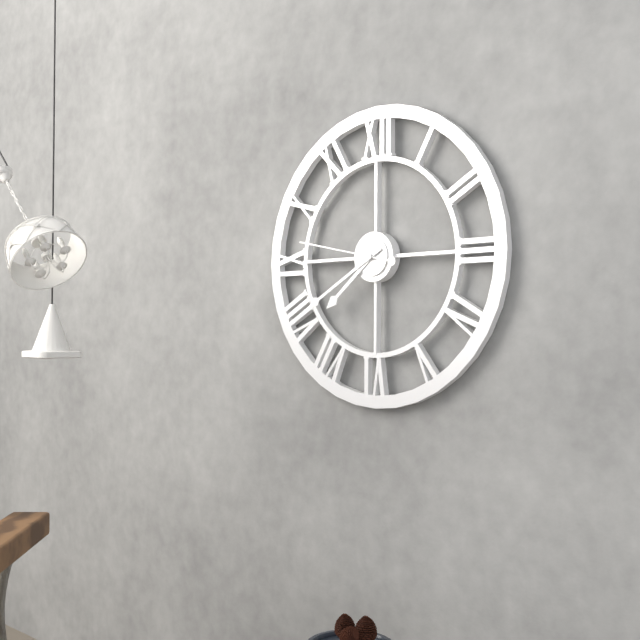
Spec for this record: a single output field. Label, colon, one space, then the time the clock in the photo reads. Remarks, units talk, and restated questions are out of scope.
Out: 7:40:47
